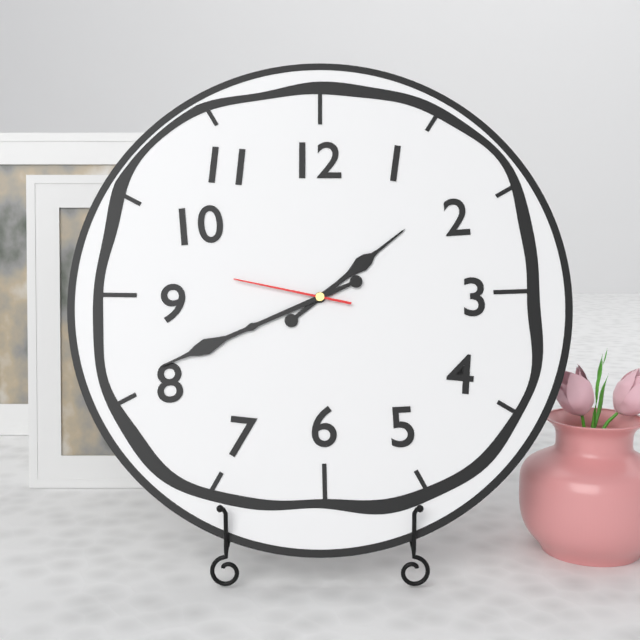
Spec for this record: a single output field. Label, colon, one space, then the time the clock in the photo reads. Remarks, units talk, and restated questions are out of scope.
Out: 1:41:47
